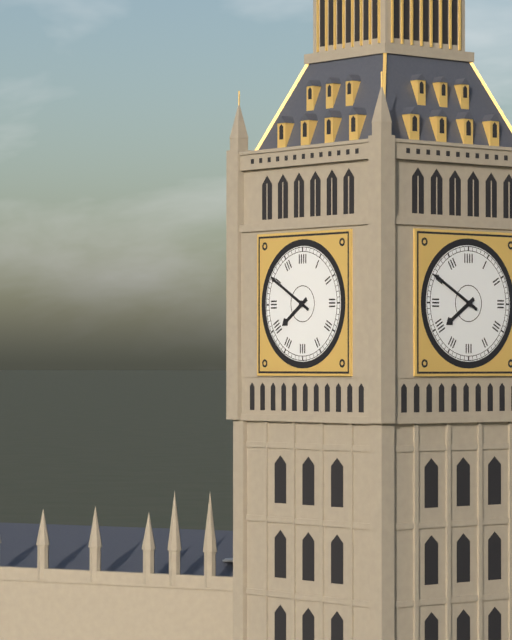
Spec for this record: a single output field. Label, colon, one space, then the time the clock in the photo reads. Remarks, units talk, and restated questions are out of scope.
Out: 7:50
